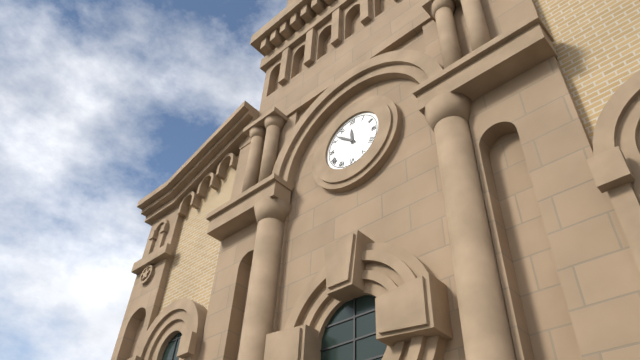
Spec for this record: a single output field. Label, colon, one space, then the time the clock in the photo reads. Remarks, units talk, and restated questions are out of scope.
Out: 11:52
